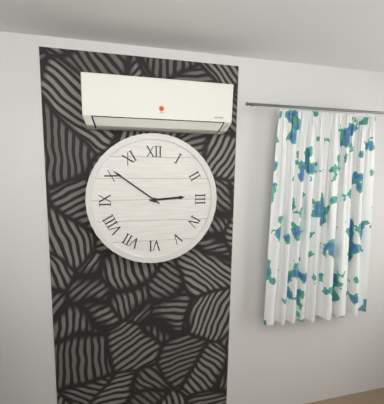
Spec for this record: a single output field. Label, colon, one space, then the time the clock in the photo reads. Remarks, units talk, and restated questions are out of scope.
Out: 2:51
